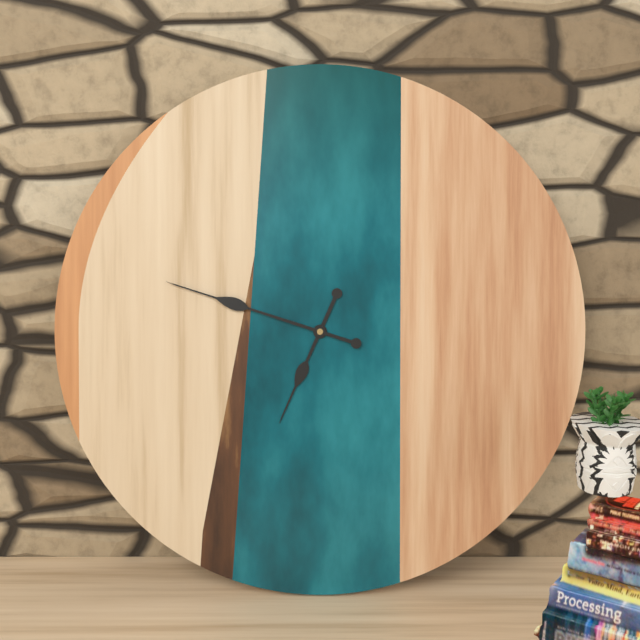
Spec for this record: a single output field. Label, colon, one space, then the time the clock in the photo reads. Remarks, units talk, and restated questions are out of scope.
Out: 6:48
